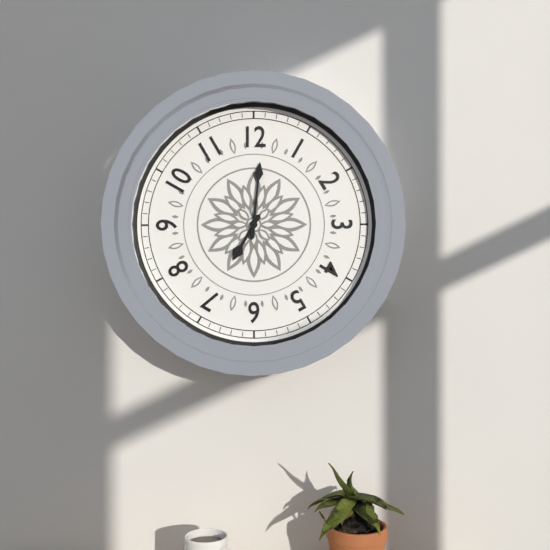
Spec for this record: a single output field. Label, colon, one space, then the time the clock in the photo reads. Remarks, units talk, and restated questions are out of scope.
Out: 7:01
